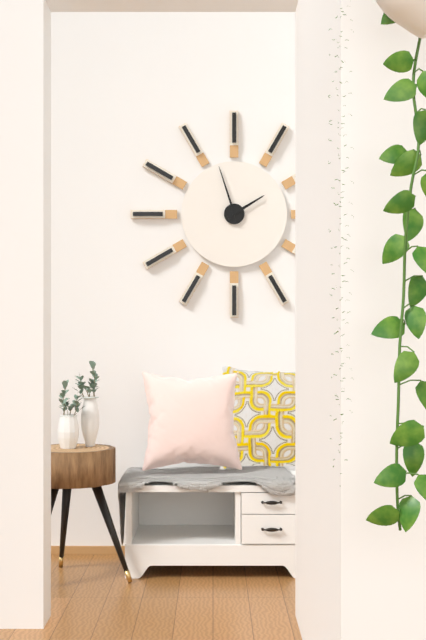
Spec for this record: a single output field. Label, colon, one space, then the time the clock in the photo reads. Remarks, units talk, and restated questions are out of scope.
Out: 1:57
